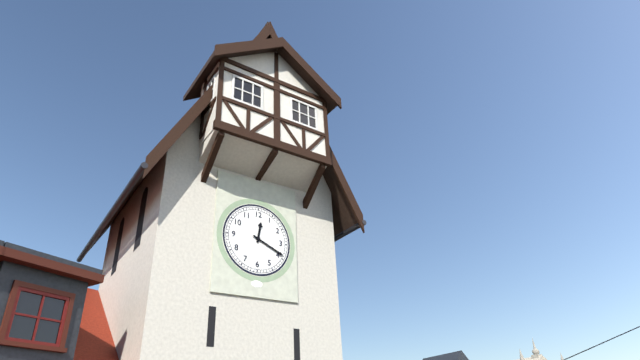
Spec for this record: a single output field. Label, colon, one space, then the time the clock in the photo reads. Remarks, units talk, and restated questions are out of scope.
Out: 12:19
